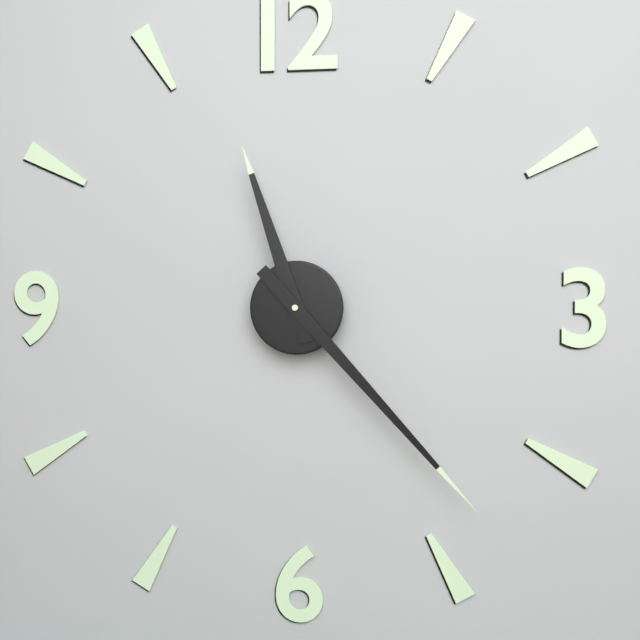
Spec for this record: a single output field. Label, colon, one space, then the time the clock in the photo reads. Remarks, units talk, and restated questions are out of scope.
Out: 11:23
